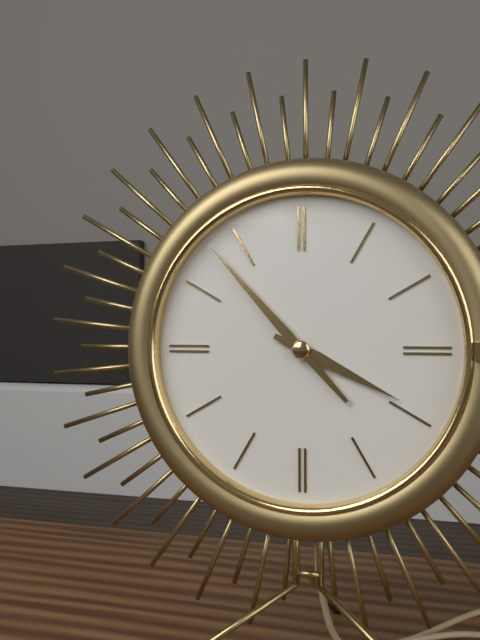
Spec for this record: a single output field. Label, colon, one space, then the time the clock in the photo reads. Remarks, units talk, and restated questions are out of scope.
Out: 3:53
